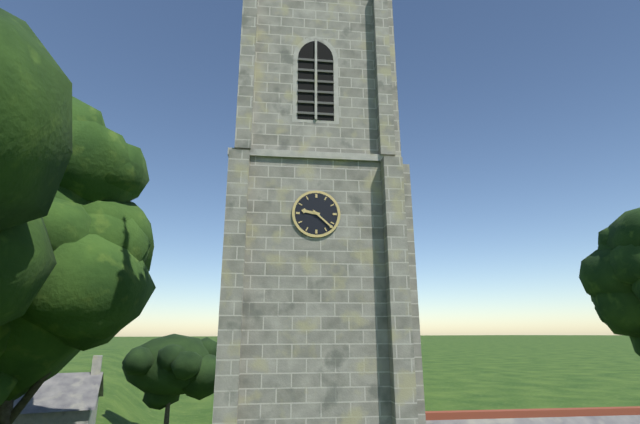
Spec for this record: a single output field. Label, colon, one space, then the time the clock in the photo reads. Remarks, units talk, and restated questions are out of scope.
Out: 9:22
